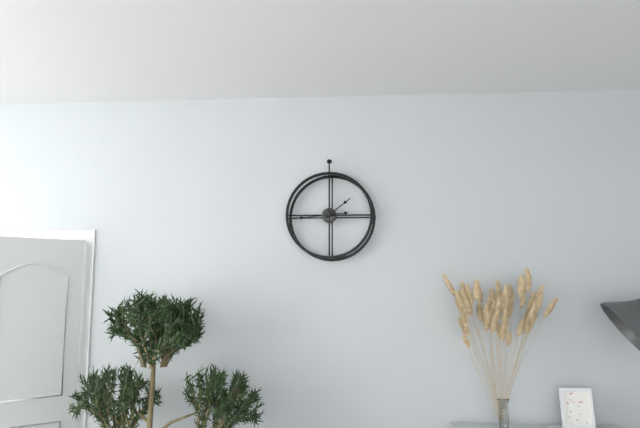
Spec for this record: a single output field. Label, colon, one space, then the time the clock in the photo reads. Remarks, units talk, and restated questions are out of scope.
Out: 1:44
